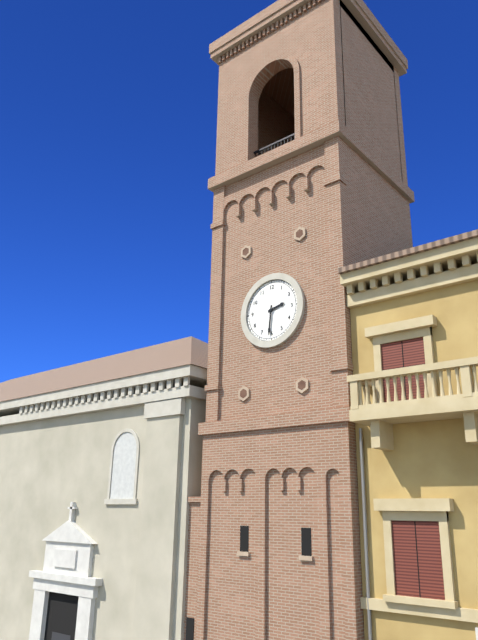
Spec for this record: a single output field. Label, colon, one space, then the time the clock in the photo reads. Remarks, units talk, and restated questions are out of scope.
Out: 2:31
